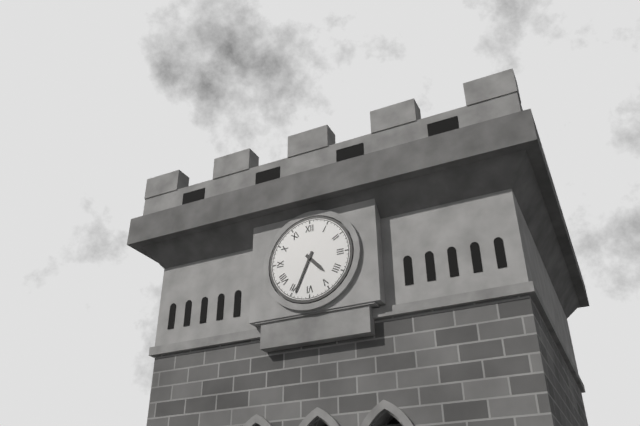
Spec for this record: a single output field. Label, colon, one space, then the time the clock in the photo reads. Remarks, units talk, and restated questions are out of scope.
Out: 4:34
